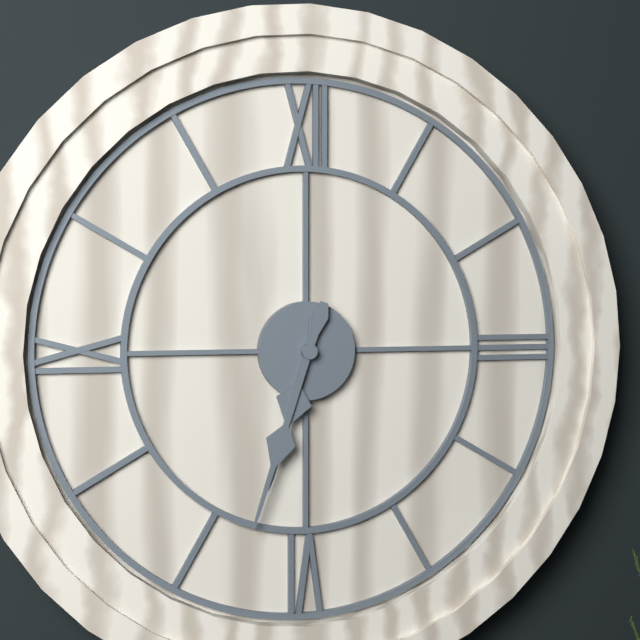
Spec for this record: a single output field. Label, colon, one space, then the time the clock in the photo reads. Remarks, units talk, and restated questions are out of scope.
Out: 6:33
